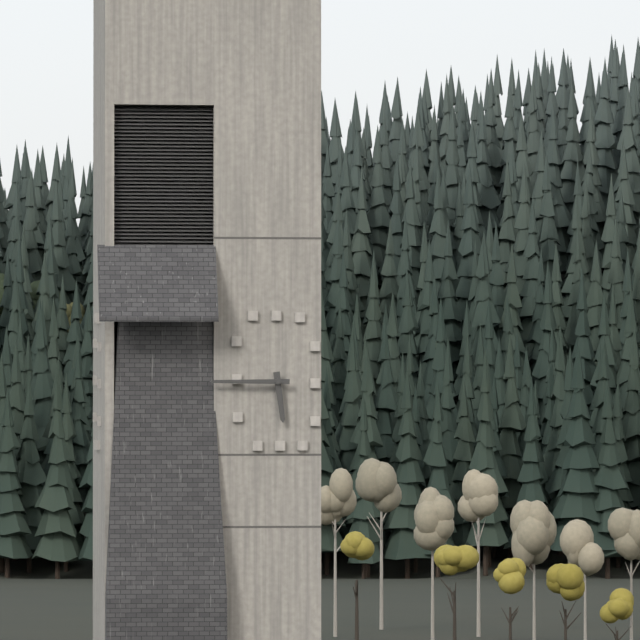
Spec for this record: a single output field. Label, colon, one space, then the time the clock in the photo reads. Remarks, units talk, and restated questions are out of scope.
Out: 5:45
